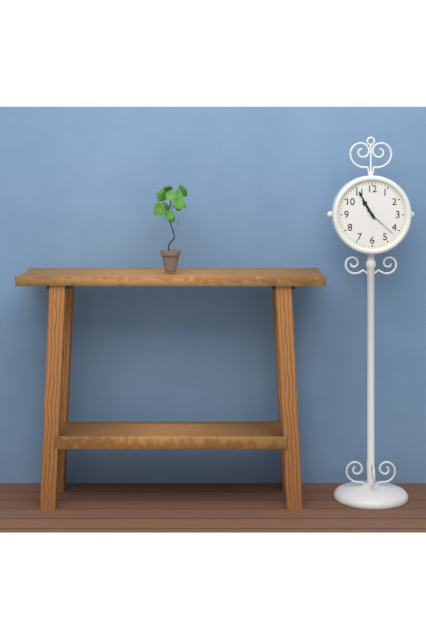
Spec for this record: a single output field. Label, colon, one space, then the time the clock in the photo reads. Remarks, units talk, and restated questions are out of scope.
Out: 10:55
